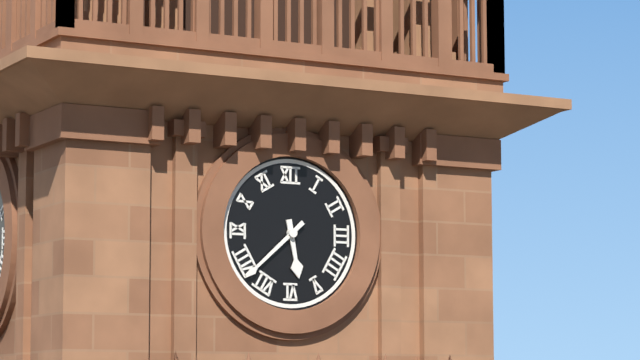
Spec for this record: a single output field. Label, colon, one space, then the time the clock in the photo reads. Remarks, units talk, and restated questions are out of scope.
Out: 5:38
